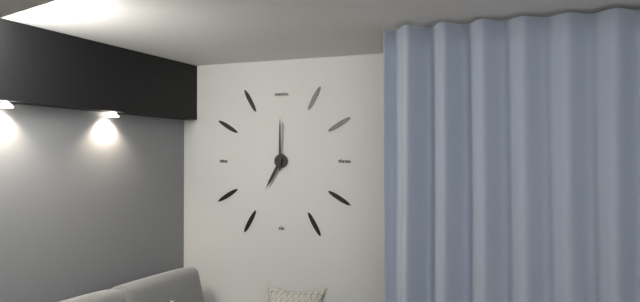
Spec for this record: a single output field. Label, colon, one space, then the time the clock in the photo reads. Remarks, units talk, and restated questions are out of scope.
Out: 7:00
